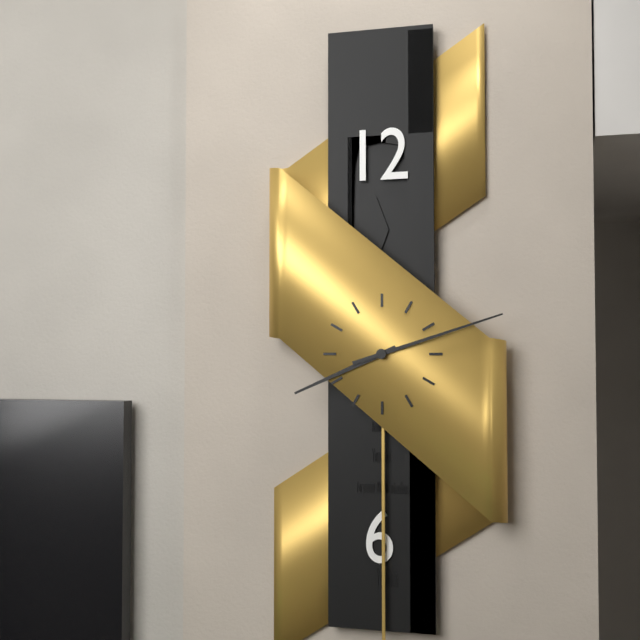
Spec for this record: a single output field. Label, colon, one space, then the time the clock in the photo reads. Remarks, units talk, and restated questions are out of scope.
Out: 8:12
